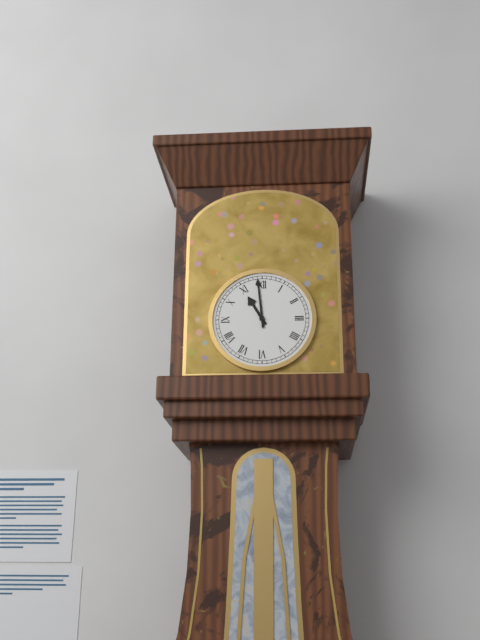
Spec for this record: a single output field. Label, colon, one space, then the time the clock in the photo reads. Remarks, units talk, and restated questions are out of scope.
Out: 10:59
